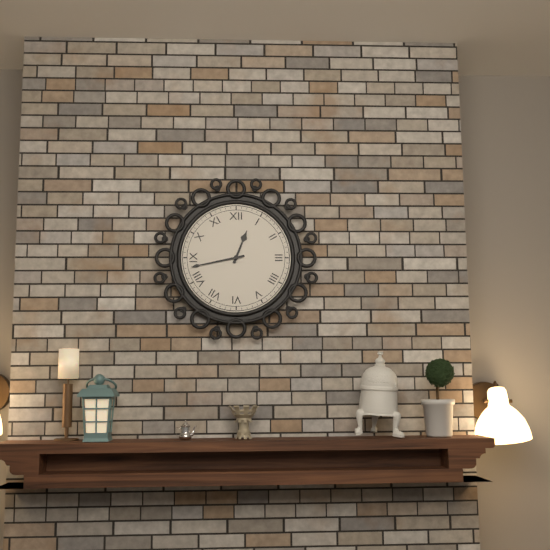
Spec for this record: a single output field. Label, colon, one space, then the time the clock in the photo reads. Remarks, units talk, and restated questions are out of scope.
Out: 12:43
